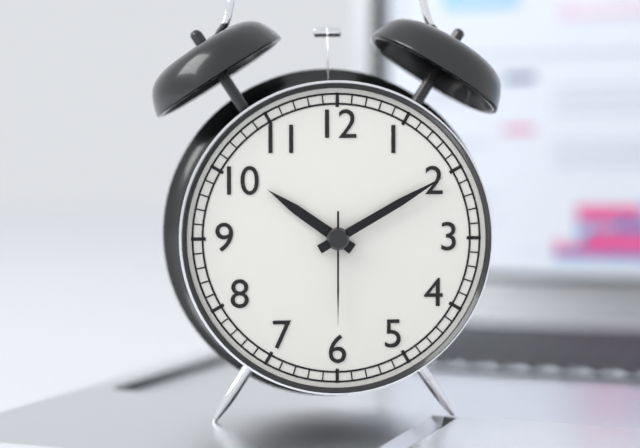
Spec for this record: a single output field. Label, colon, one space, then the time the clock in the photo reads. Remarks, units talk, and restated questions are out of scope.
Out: 10:10:30
